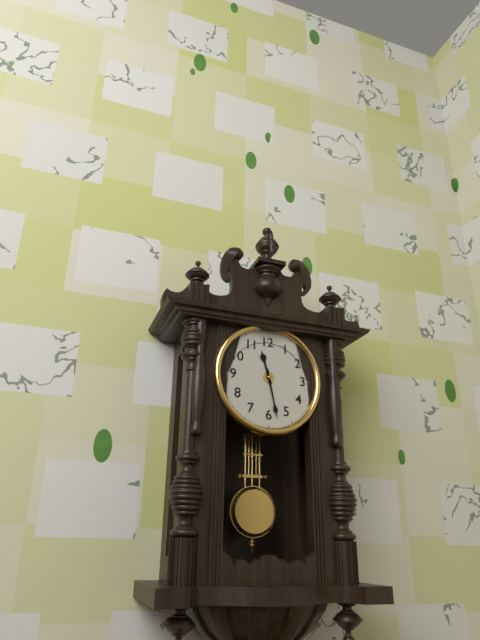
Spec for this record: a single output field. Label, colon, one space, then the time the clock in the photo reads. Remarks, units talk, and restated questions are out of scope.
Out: 11:28
